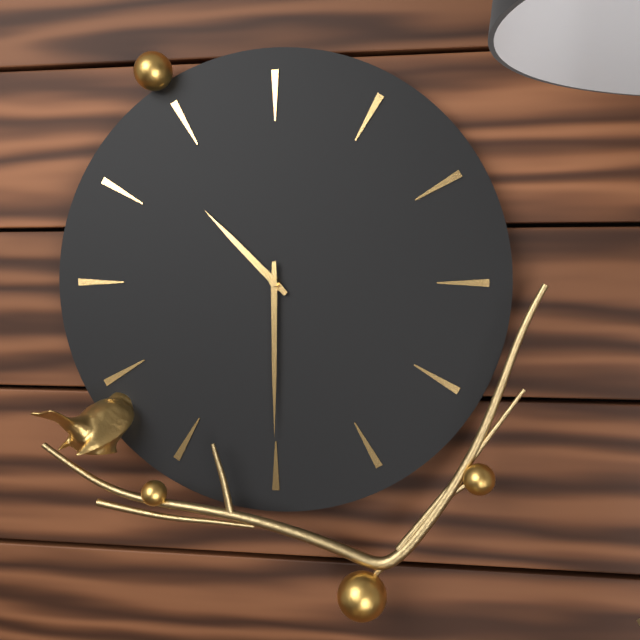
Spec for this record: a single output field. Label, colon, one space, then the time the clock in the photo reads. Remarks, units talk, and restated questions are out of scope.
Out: 10:30
